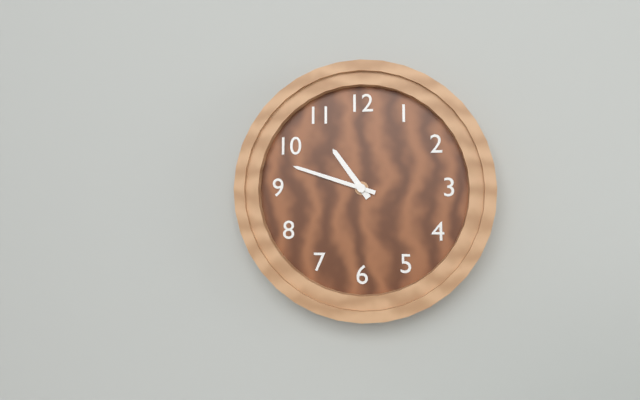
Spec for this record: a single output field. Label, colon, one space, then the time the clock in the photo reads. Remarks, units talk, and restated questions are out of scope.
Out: 10:48
